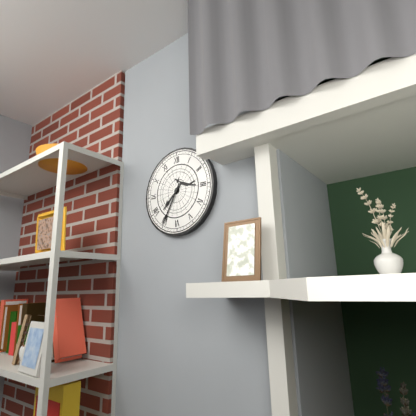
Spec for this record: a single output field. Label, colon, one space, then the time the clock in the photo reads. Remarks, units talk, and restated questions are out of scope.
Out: 7:35
